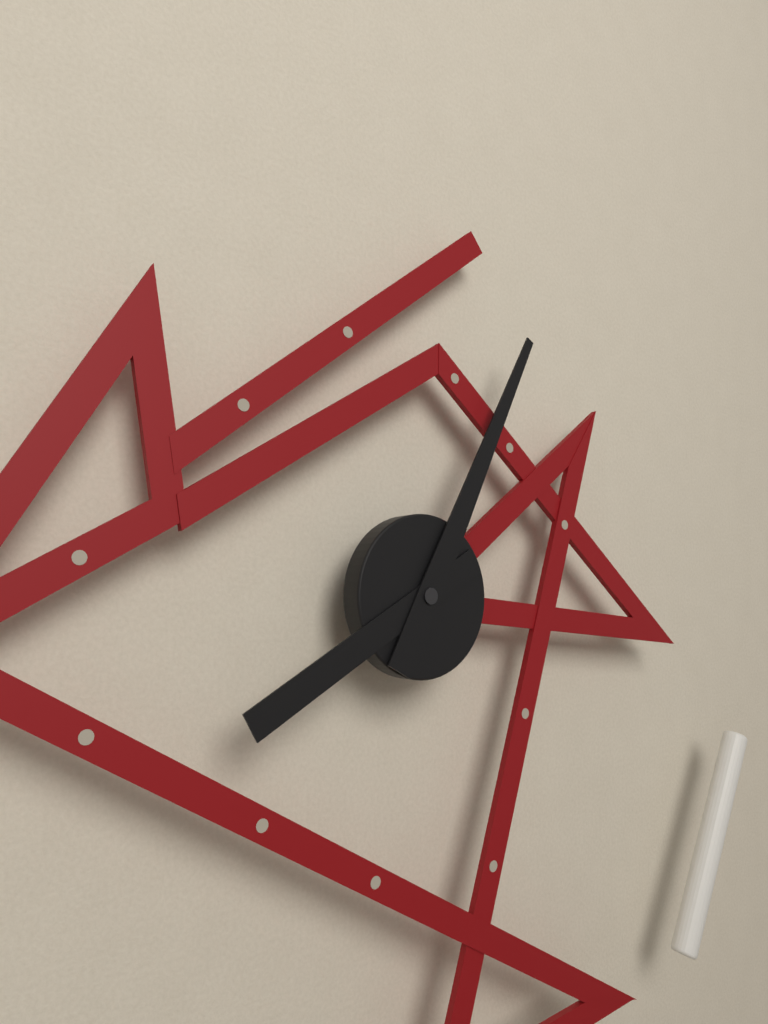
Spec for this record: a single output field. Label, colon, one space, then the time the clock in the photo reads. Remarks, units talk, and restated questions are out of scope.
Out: 8:05
